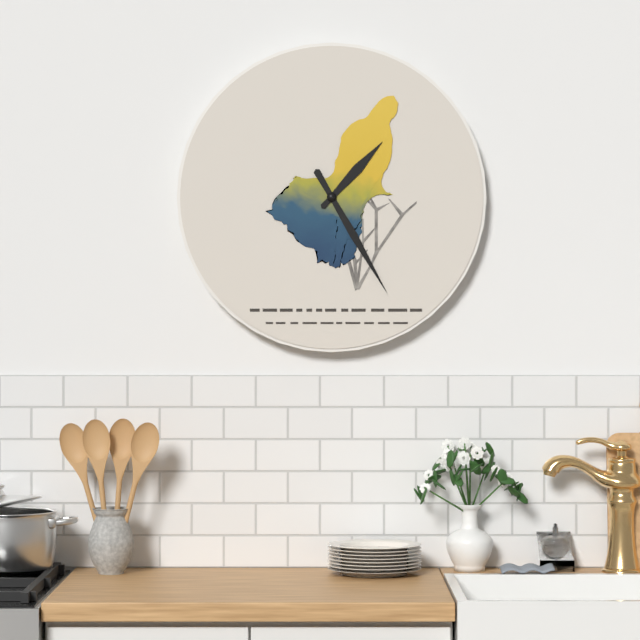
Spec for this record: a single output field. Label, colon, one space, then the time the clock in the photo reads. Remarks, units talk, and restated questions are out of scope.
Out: 1:25
